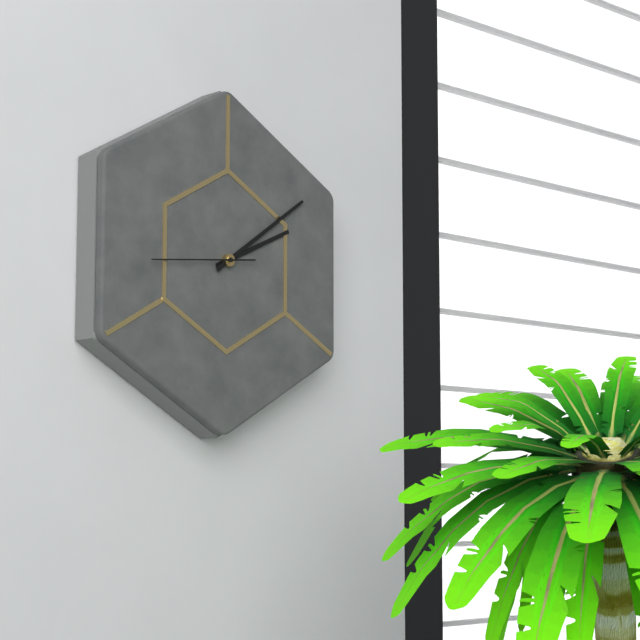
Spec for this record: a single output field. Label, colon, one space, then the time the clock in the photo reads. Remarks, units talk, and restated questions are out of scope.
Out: 2:09:44
